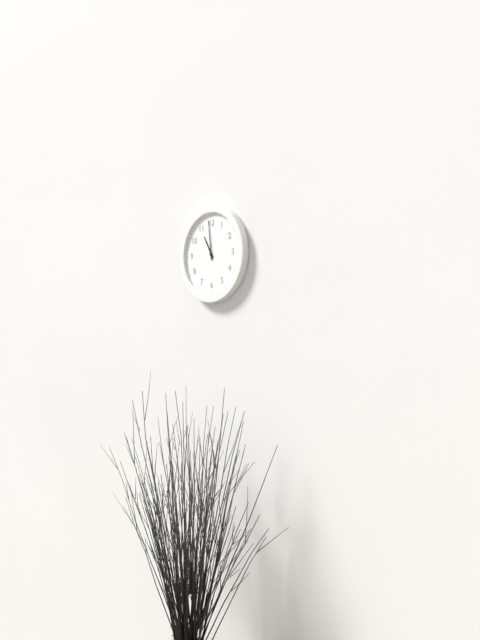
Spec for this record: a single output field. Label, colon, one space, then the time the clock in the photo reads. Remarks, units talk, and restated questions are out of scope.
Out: 10:59
